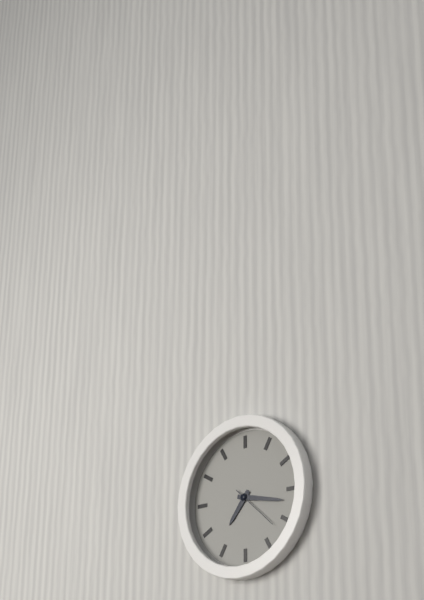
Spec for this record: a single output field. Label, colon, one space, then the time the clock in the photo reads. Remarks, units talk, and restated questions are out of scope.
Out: 7:17
